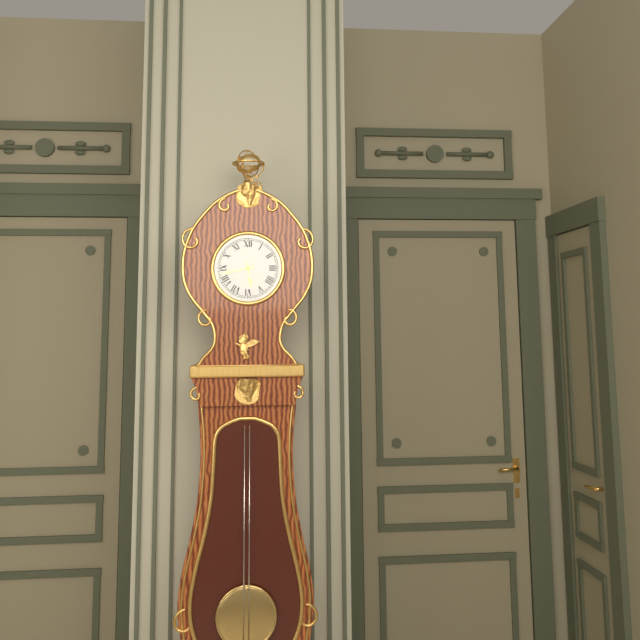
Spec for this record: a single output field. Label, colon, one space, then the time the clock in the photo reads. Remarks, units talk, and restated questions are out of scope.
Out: 5:43
